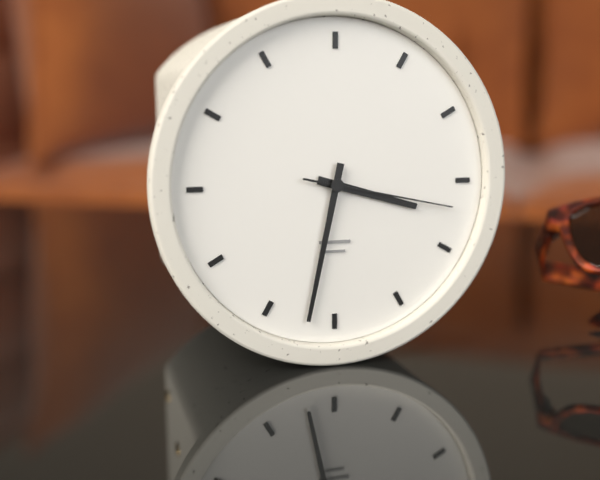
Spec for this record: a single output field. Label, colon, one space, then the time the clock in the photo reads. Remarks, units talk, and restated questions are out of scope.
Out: 3:32:17
